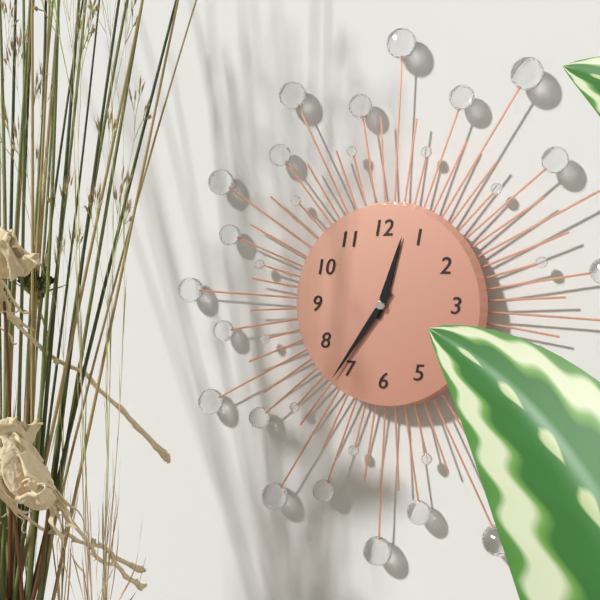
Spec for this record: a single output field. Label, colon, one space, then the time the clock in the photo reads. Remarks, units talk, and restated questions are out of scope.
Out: 12:36
